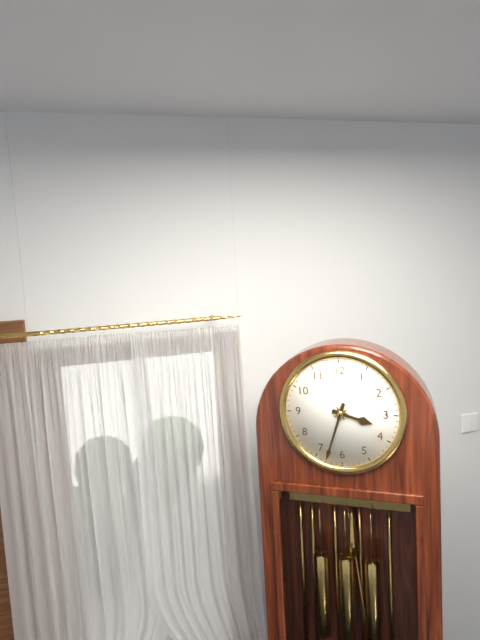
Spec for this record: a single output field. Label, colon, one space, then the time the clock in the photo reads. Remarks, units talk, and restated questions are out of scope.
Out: 3:33
